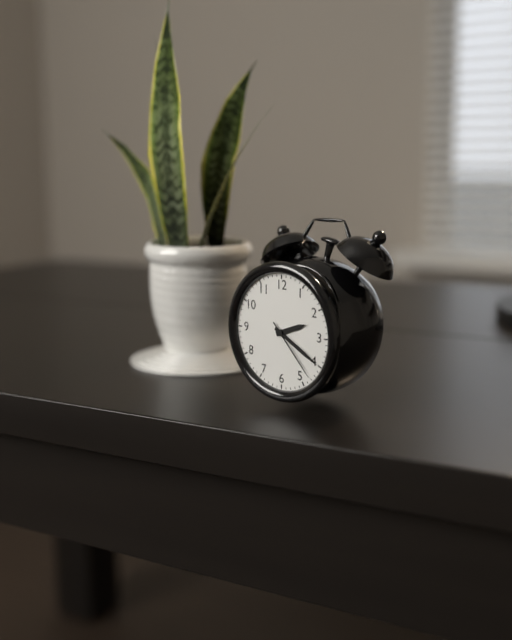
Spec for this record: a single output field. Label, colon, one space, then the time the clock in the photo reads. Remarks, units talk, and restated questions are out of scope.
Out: 2:20:23
